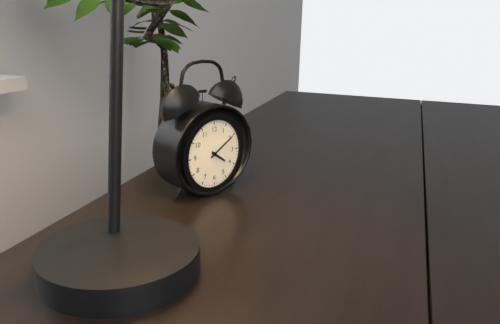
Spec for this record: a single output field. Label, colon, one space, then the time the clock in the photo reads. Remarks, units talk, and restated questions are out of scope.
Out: 4:10
